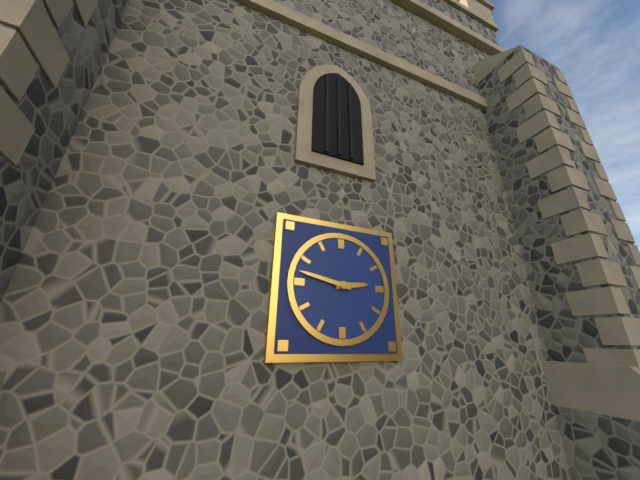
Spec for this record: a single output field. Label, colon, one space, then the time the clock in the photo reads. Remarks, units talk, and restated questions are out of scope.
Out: 2:47
